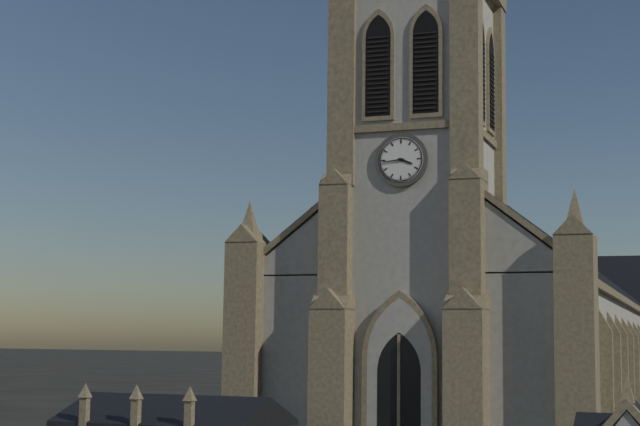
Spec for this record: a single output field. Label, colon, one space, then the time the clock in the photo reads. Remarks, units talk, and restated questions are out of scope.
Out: 3:44
